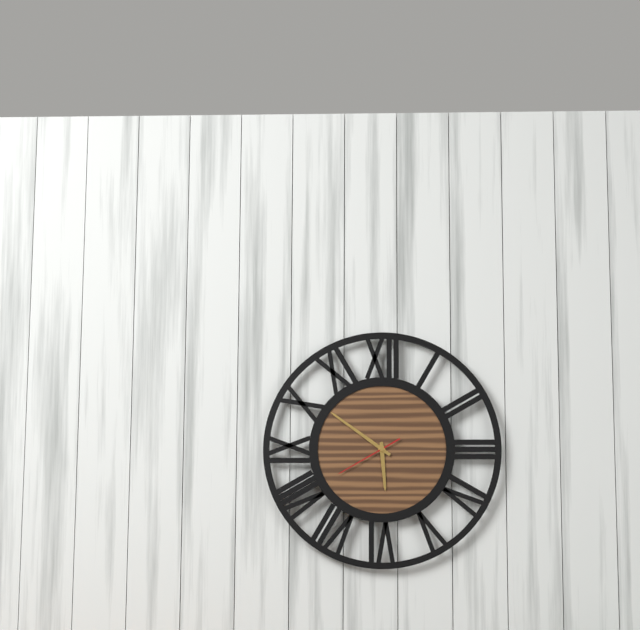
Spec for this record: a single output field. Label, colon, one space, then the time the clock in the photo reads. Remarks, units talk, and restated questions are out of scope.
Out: 5:51:40
